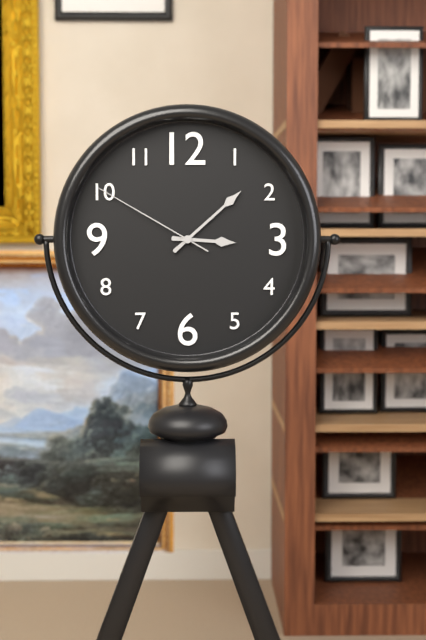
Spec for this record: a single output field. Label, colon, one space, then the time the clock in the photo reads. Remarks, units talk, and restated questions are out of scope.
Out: 3:08:50
